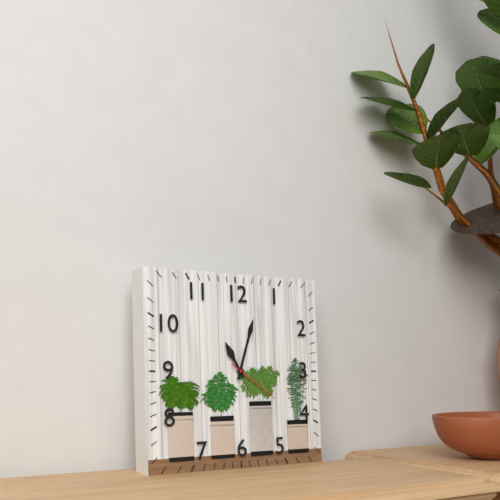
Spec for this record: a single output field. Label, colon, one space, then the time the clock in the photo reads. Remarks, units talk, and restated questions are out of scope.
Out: 11:03:21
